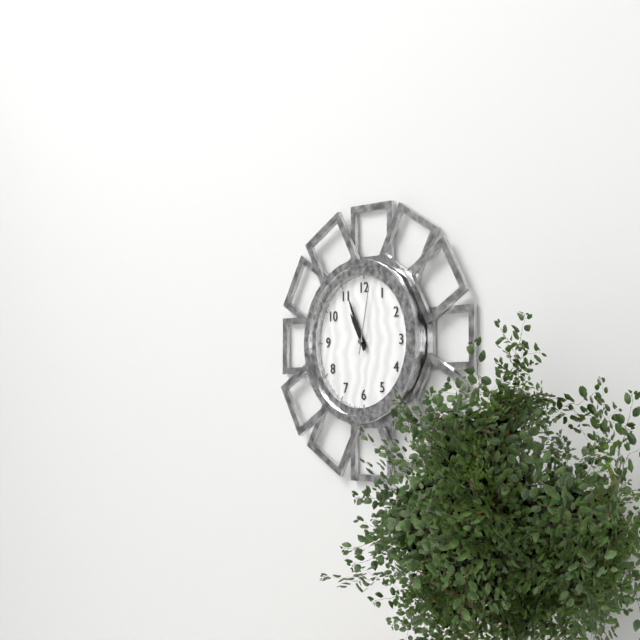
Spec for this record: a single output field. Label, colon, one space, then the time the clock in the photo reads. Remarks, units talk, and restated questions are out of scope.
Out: 10:56:02
